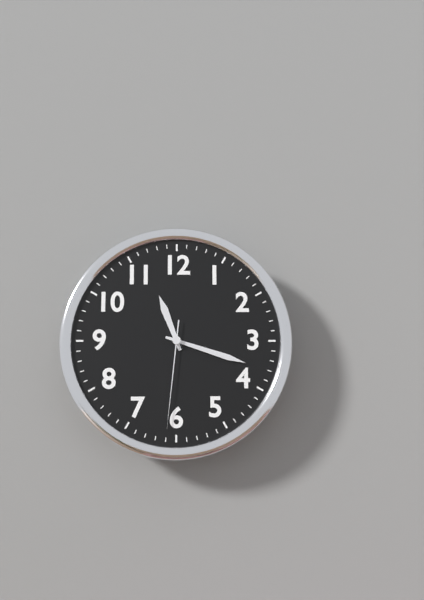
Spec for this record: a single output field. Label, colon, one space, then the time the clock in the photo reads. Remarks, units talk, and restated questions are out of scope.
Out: 11:18:31
